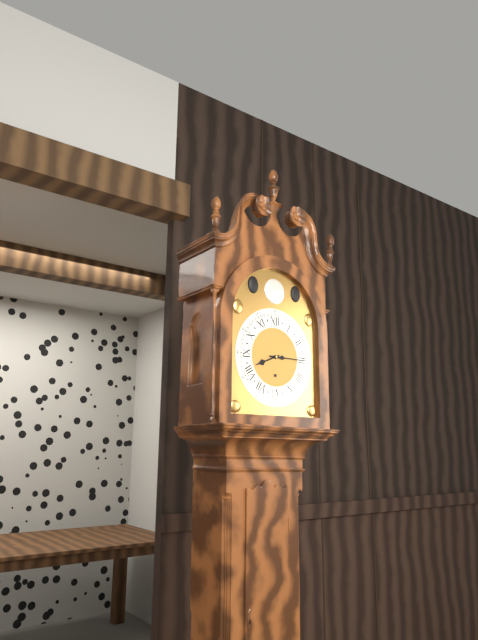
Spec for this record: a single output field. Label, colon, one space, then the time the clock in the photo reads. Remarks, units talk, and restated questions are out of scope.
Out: 8:15
